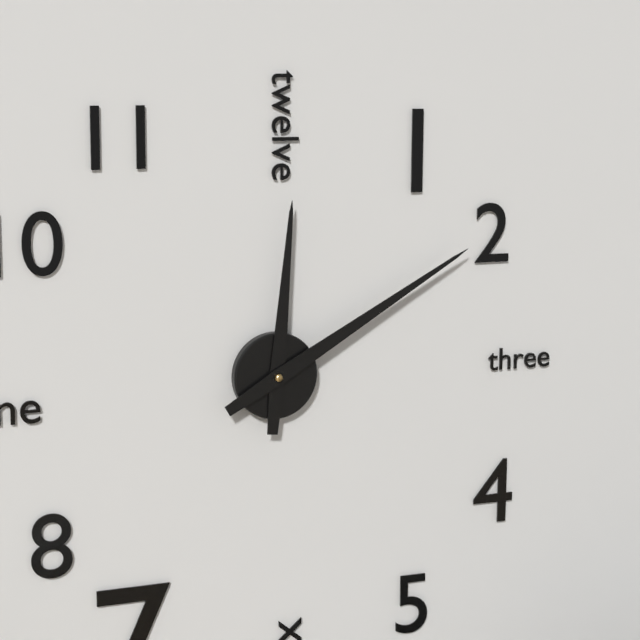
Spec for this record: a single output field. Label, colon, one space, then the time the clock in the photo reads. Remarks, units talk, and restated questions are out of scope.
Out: 12:10
